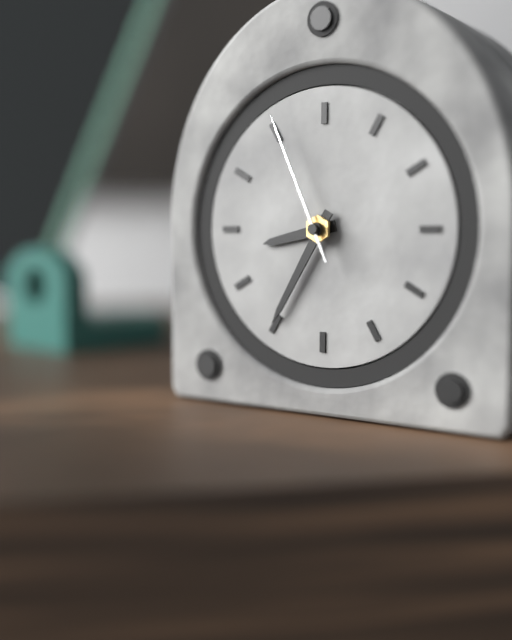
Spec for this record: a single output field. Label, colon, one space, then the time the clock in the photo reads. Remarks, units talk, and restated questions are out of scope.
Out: 8:35:56
